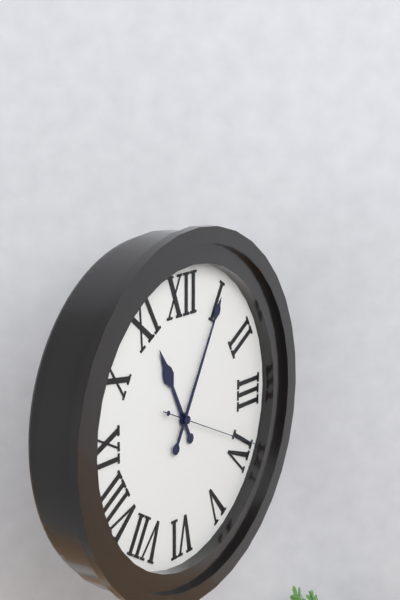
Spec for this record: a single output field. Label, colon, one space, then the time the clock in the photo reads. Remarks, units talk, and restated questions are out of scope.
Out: 11:05:19
